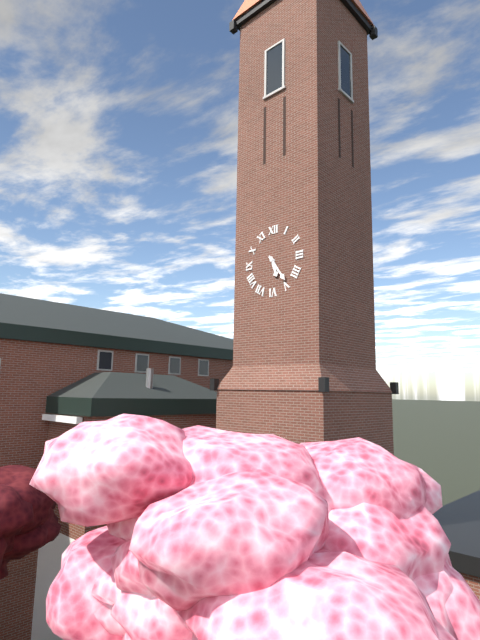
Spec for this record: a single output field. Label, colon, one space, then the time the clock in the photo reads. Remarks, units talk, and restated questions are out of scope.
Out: 5:24
